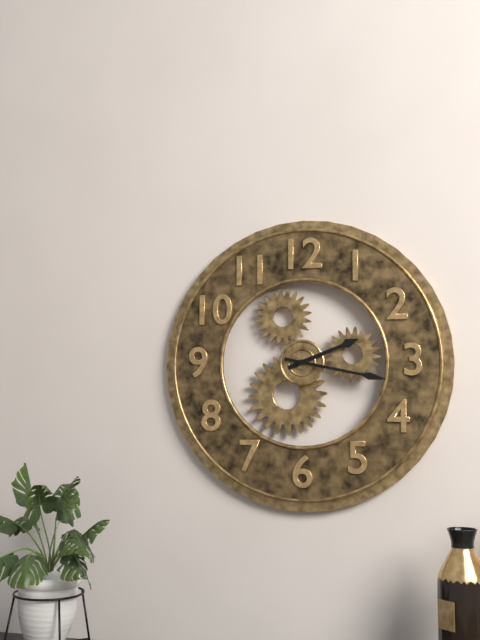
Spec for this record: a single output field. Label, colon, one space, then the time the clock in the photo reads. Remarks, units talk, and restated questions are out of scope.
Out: 2:17
